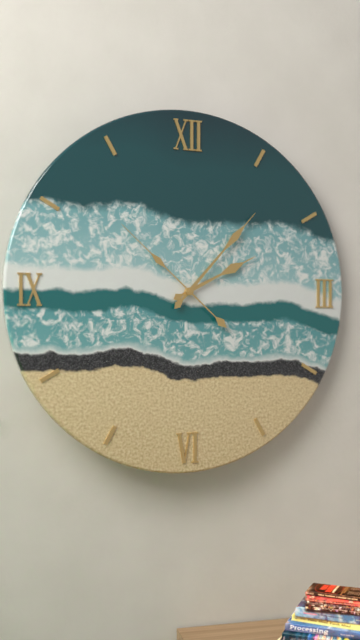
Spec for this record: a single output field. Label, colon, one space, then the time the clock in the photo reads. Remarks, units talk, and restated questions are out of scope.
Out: 2:07:52
